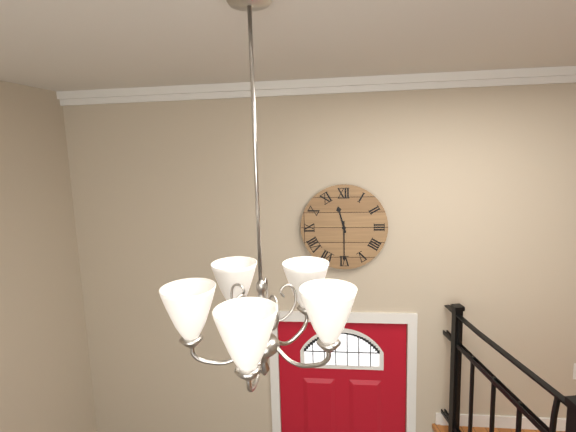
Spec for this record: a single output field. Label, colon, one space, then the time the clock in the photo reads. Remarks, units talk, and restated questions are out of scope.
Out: 11:30
